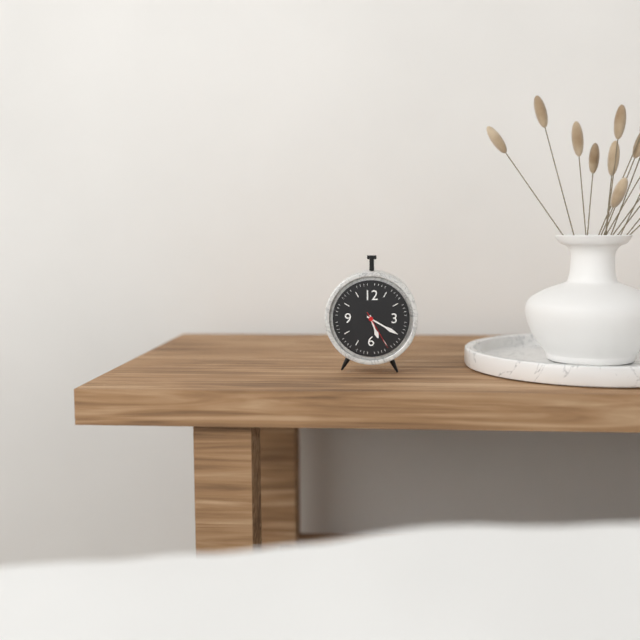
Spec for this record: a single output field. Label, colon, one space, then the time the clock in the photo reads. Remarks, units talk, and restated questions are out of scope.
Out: 5:20
